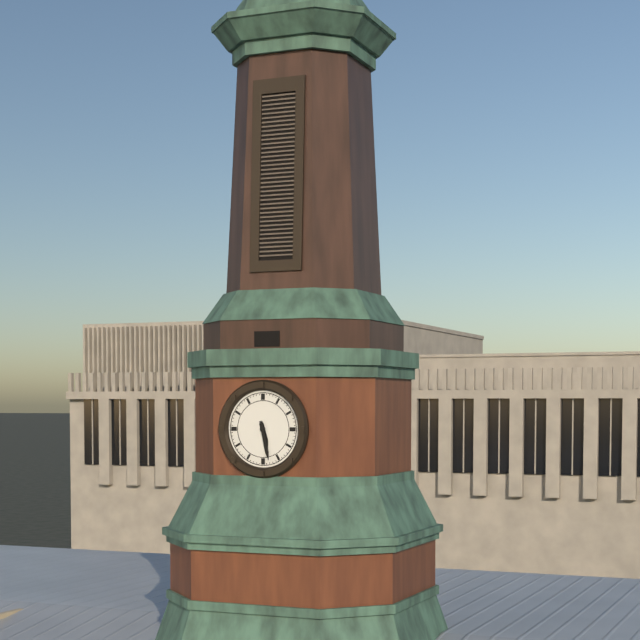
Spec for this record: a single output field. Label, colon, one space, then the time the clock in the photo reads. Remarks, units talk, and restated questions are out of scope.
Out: 5:28
